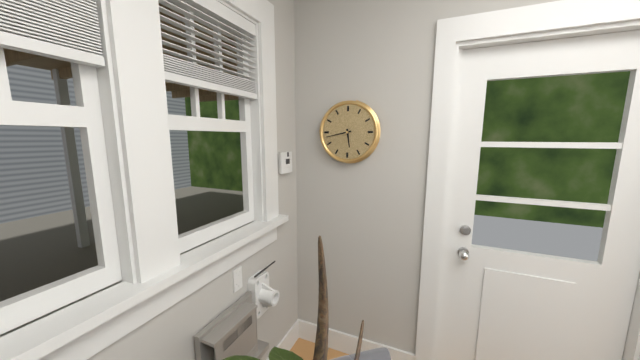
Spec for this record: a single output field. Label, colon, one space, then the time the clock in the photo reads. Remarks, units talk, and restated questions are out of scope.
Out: 5:43
